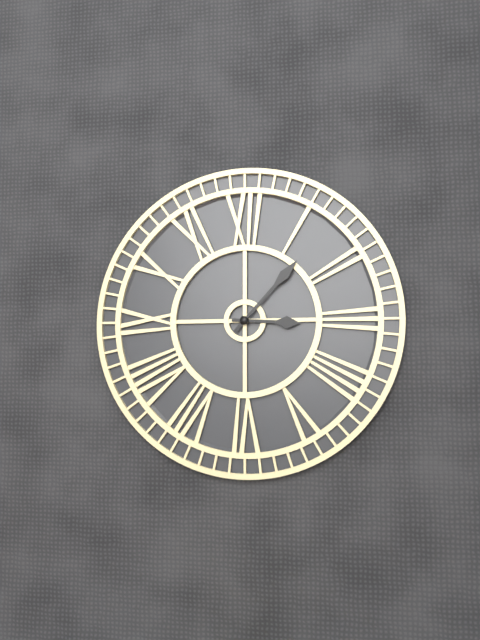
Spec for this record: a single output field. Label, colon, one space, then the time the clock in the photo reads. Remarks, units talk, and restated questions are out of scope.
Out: 3:07
